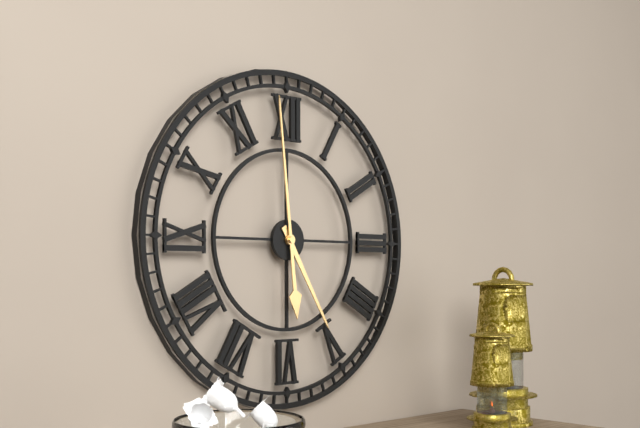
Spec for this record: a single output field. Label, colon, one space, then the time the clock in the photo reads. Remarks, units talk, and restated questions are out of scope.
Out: 4:59
